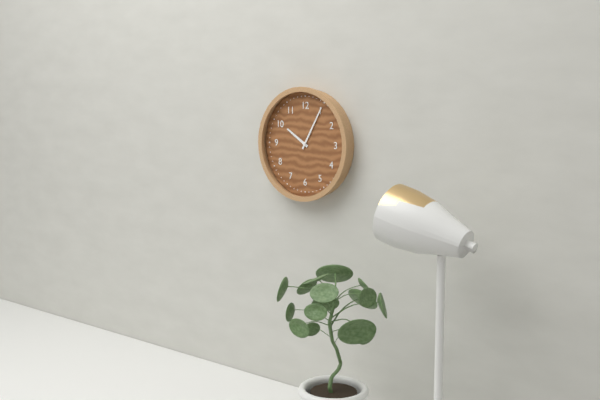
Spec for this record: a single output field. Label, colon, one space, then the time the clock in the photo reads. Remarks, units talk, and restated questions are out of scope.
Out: 10:05
